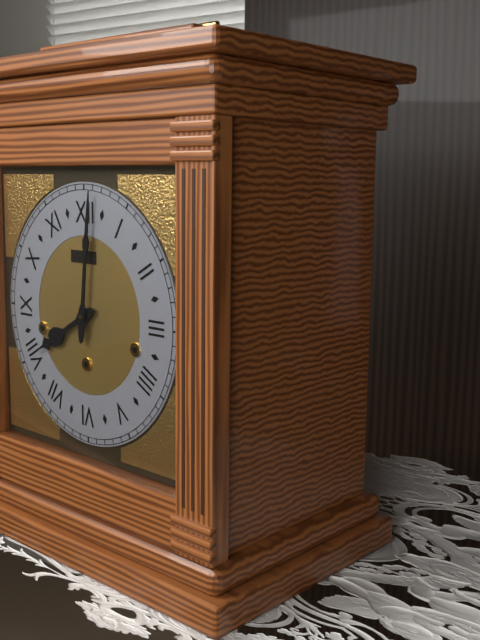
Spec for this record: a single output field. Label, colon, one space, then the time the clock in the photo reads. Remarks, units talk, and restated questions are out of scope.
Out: 8:01
